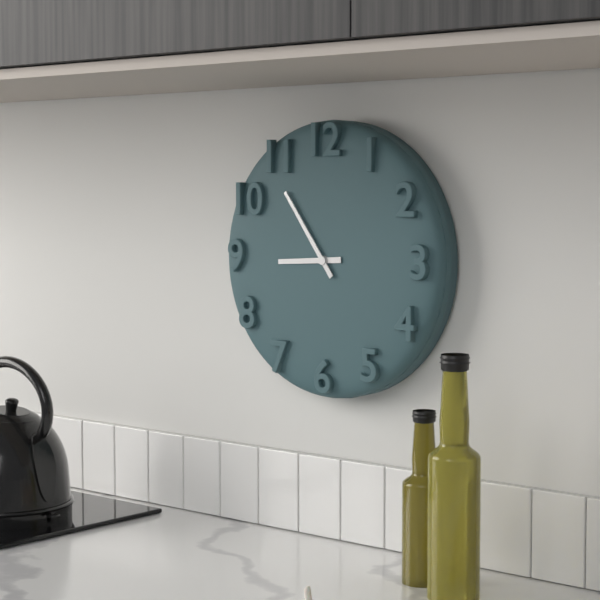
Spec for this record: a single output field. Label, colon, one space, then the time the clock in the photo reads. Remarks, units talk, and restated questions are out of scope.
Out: 8:54
